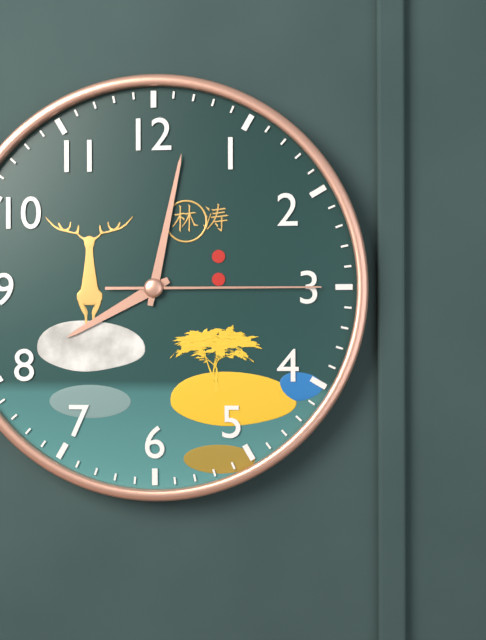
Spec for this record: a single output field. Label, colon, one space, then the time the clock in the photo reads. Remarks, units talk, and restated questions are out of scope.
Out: 8:02:15
